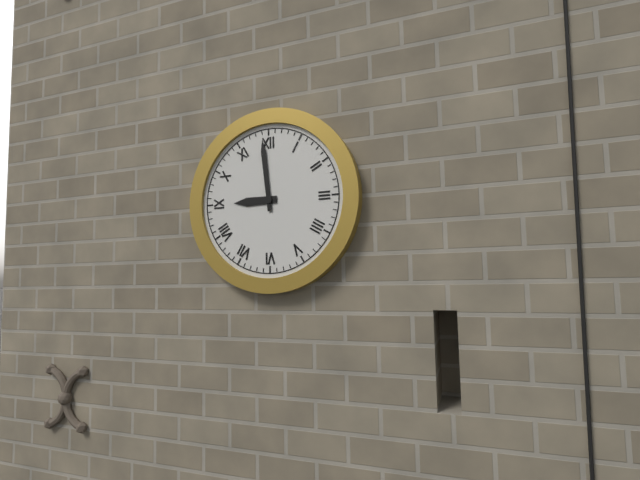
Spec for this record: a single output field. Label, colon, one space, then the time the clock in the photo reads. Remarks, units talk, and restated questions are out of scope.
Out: 8:59
